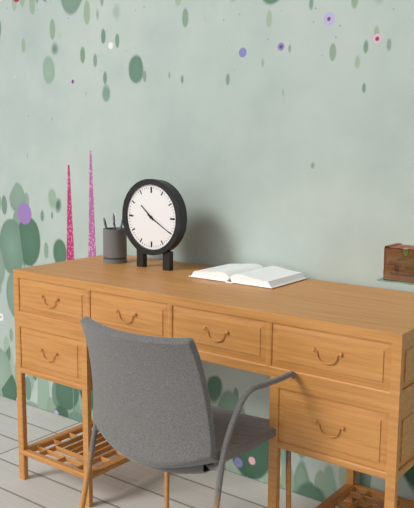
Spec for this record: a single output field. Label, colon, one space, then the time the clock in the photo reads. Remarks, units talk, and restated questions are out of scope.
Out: 10:20
